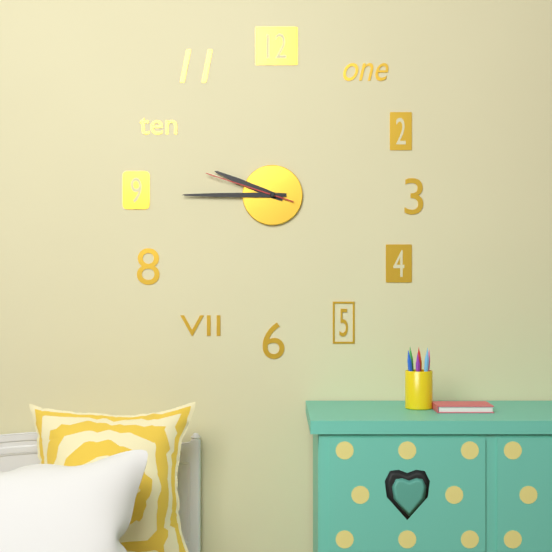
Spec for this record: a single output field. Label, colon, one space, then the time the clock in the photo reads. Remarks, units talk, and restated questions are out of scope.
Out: 9:45:48
